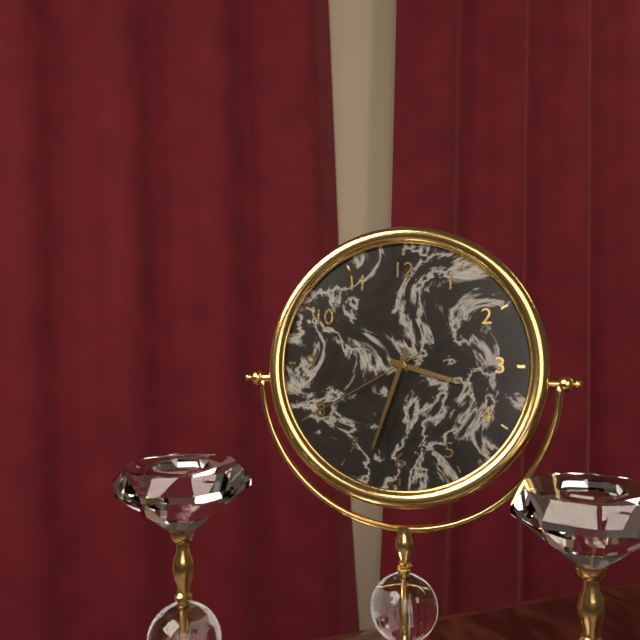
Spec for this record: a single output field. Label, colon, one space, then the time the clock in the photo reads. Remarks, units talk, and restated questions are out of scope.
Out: 3:33:40
